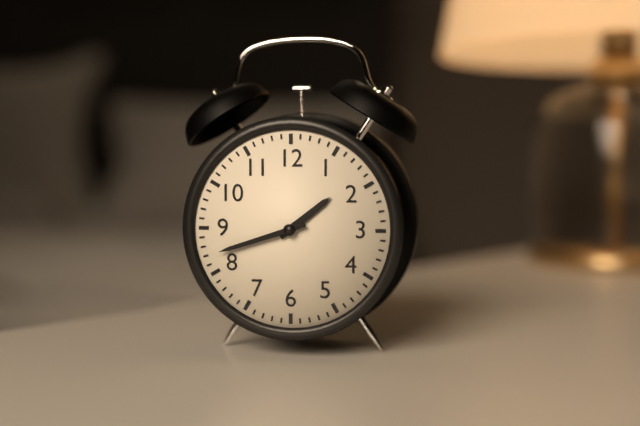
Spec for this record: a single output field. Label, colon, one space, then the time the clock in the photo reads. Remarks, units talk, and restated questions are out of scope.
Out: 1:42
